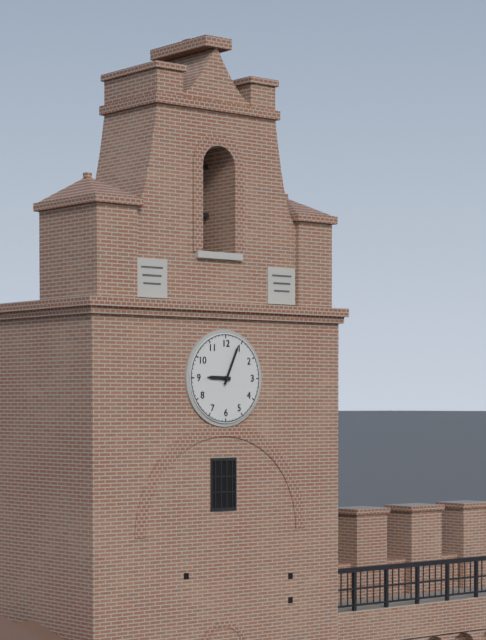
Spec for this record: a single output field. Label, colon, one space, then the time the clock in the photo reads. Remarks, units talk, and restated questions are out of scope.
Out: 9:04
